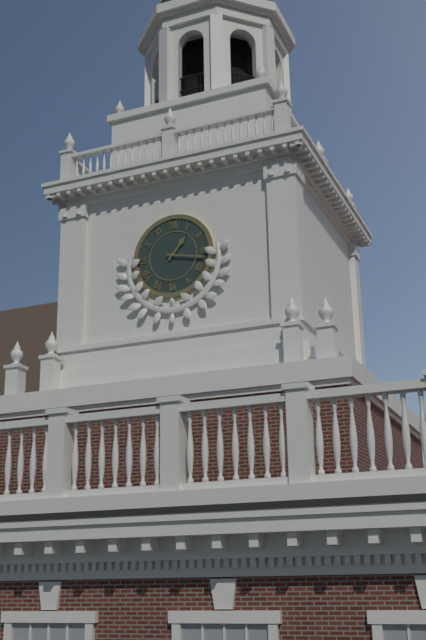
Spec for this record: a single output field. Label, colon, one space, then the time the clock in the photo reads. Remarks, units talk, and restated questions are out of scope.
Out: 1:17
